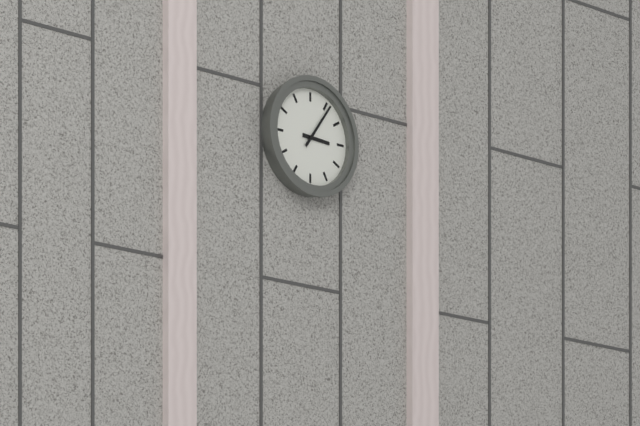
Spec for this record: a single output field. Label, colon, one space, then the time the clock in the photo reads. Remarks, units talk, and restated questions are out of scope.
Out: 3:06
